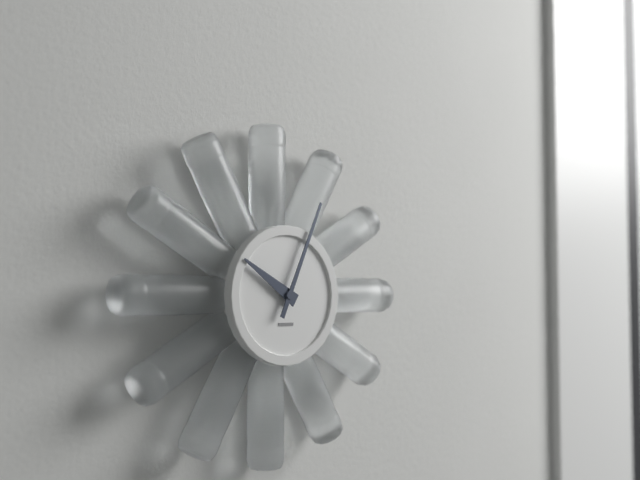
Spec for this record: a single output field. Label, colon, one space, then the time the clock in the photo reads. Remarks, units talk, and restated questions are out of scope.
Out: 10:04
